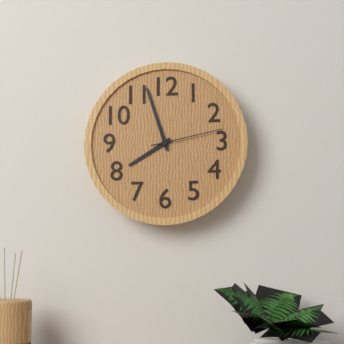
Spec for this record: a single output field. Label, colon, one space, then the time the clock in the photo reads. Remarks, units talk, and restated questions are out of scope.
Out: 7:57:13
